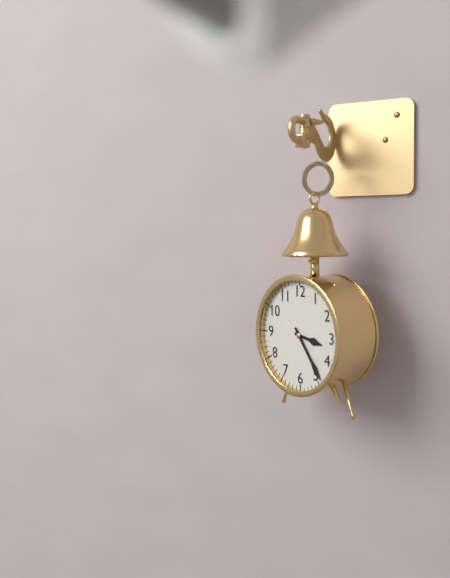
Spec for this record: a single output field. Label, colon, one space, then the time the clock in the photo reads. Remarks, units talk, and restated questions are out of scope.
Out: 3:24
